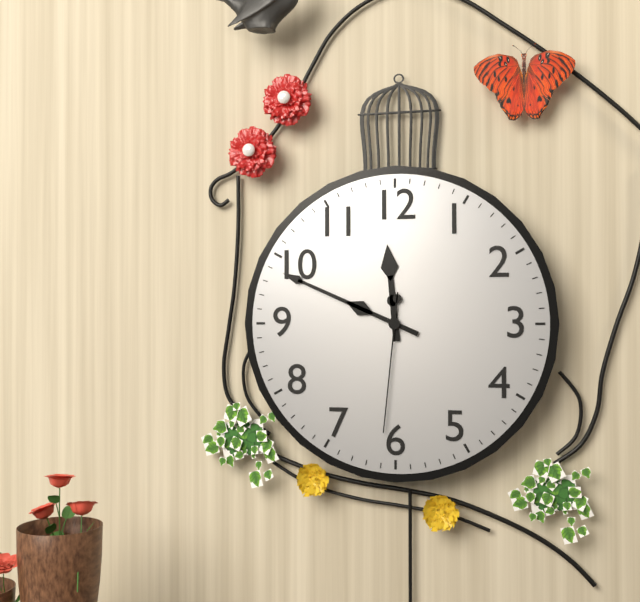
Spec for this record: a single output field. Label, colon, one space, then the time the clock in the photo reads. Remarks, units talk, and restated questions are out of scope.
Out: 11:49:31
